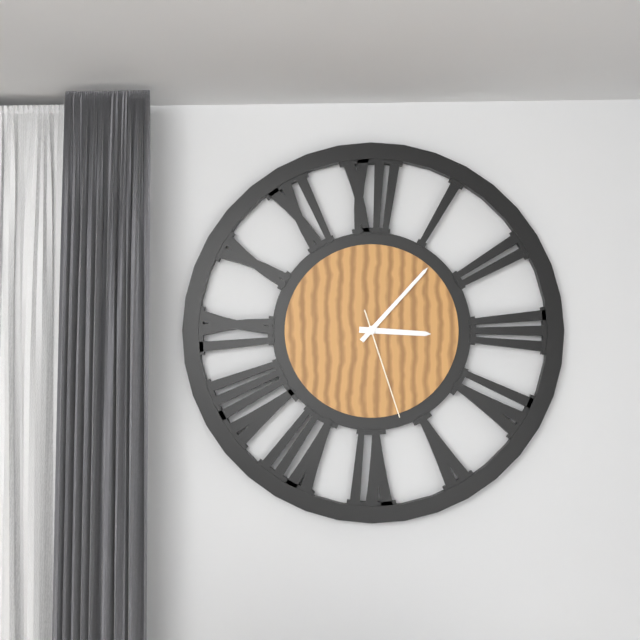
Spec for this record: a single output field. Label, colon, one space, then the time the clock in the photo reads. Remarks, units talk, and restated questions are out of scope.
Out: 3:07:27
